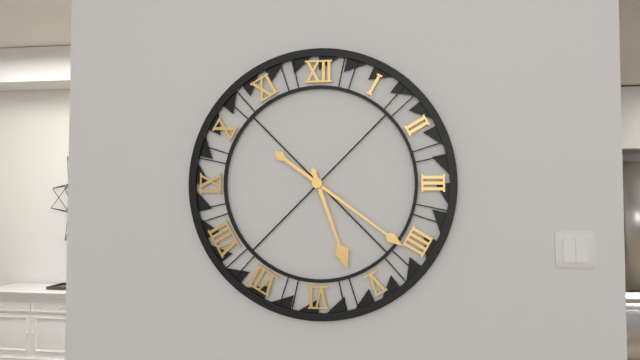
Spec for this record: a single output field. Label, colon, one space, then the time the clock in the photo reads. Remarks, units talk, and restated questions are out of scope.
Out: 5:21
